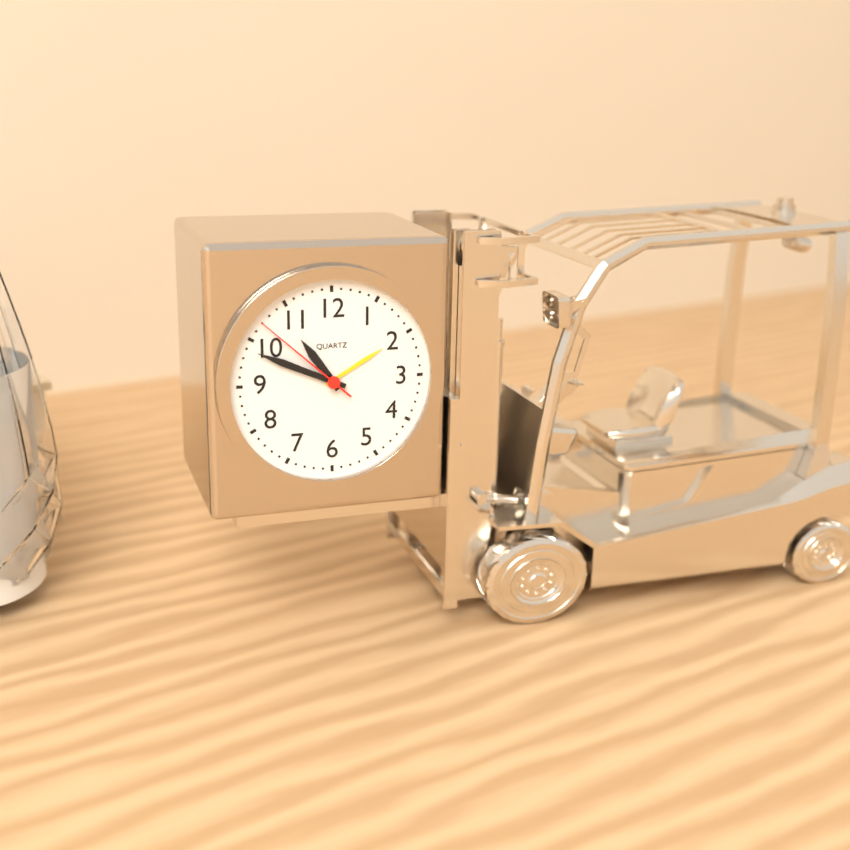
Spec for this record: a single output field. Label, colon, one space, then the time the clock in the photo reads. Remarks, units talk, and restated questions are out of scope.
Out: 10:49:52
